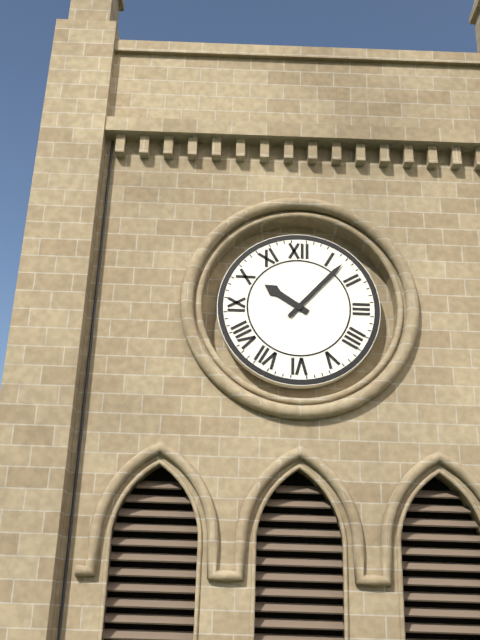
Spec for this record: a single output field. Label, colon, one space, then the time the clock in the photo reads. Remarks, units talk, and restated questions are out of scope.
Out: 10:07
